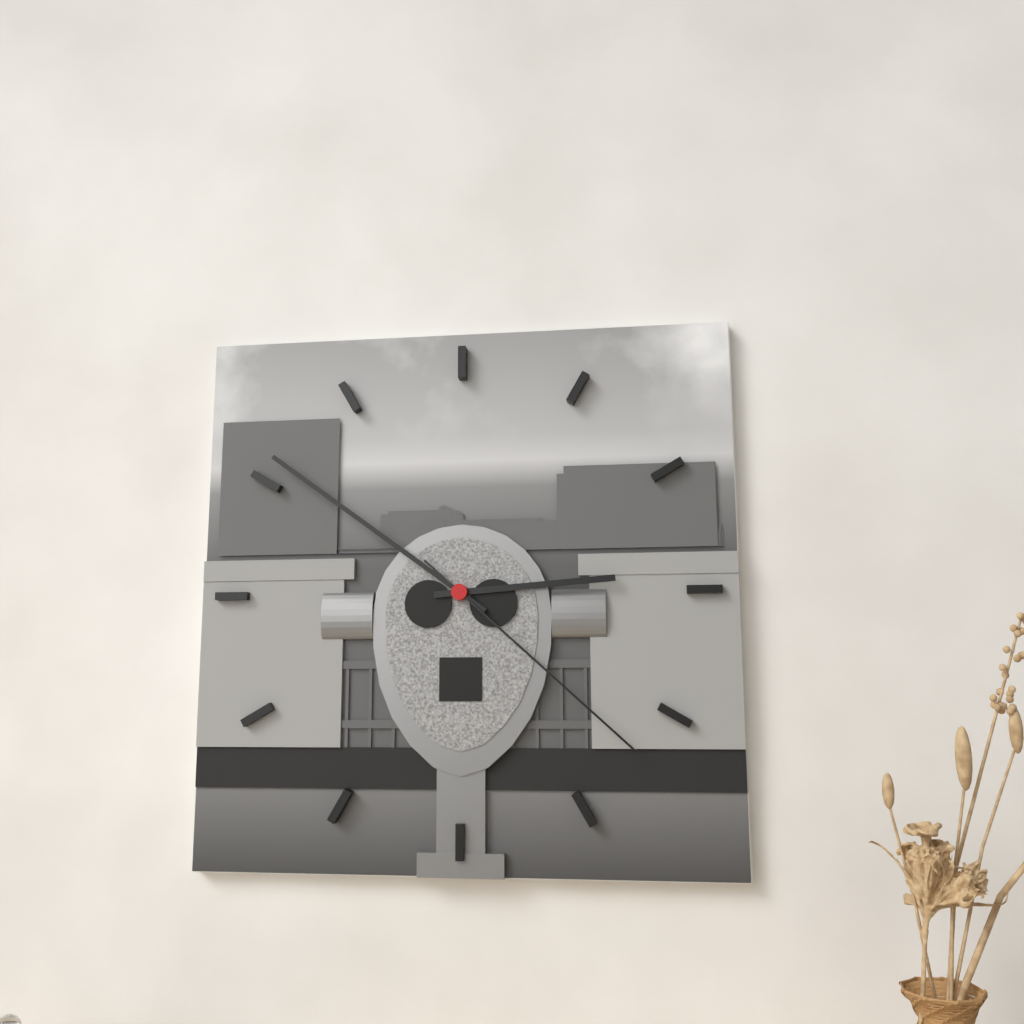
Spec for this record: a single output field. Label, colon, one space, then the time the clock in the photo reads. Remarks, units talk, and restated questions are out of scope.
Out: 2:51:22
